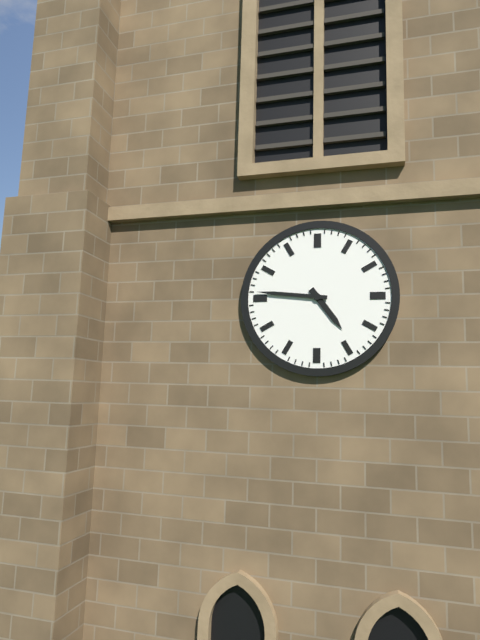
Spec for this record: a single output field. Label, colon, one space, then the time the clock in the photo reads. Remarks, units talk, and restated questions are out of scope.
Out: 4:46
